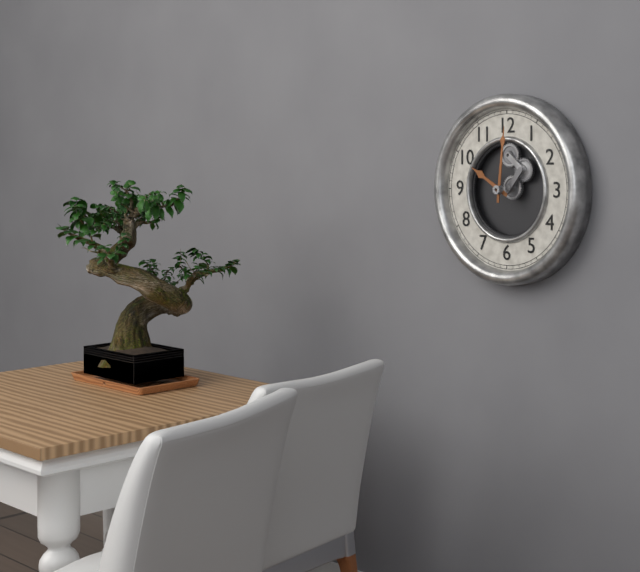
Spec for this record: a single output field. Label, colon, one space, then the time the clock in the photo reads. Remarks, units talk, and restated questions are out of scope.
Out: 10:01
